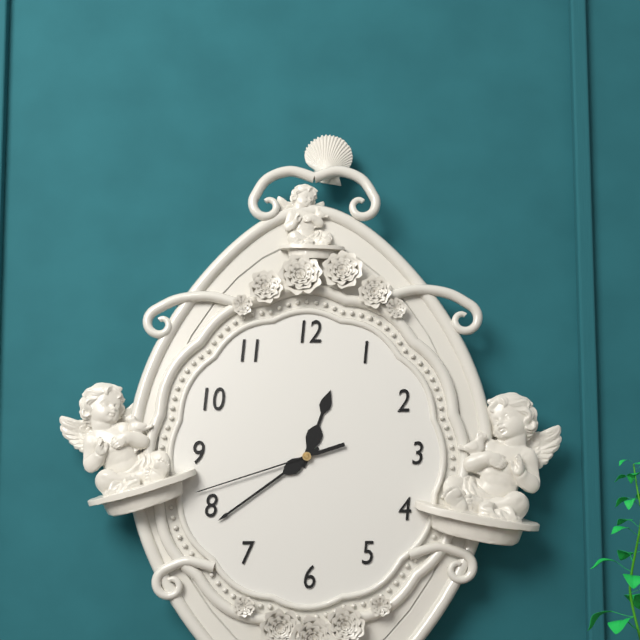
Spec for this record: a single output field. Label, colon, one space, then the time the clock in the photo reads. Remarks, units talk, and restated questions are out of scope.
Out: 12:39:42
